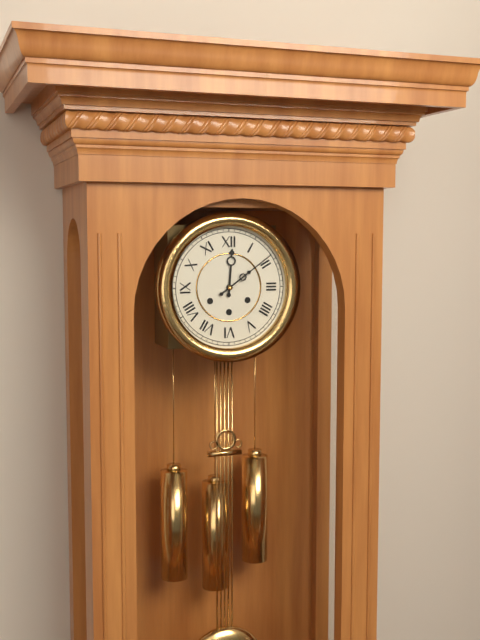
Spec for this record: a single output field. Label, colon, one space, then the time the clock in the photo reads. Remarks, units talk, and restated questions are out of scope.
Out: 12:09
